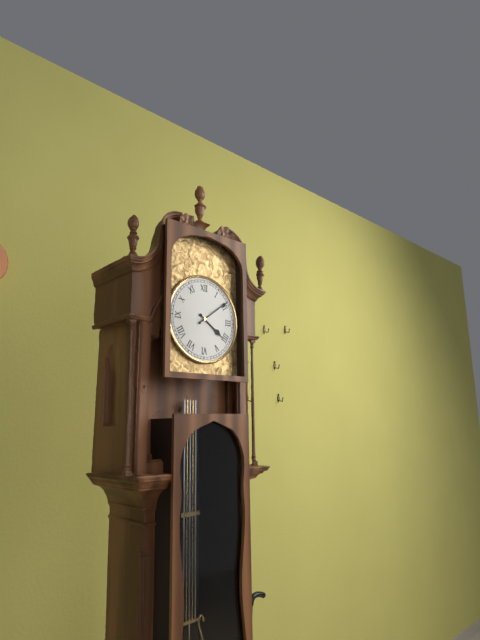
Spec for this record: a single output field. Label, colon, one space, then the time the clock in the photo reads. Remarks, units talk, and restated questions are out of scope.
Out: 4:09
